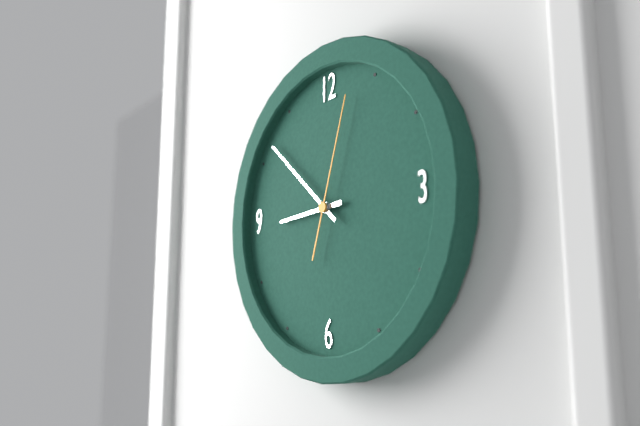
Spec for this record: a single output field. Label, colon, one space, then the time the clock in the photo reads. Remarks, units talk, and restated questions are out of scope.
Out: 8:52:03
